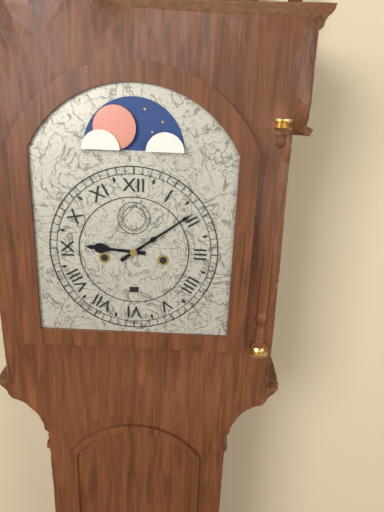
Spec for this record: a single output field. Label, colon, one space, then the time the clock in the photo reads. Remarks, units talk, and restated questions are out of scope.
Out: 9:09
